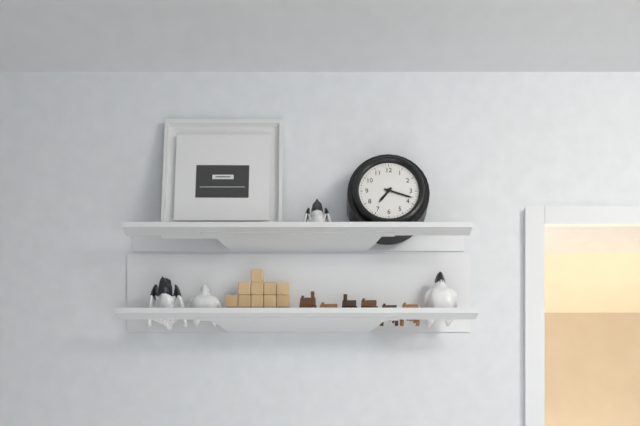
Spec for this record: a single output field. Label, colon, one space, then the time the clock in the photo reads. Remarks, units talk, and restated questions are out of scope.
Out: 7:18
